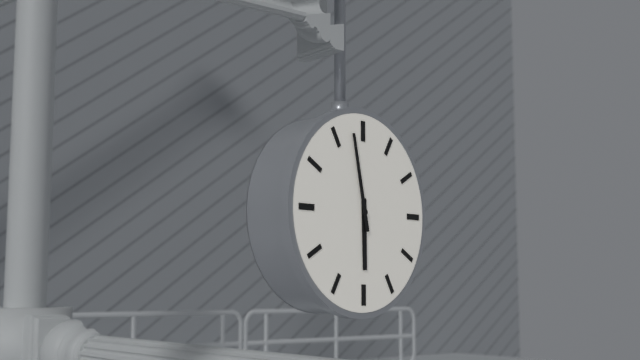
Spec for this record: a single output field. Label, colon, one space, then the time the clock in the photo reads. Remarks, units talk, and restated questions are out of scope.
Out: 5:58
